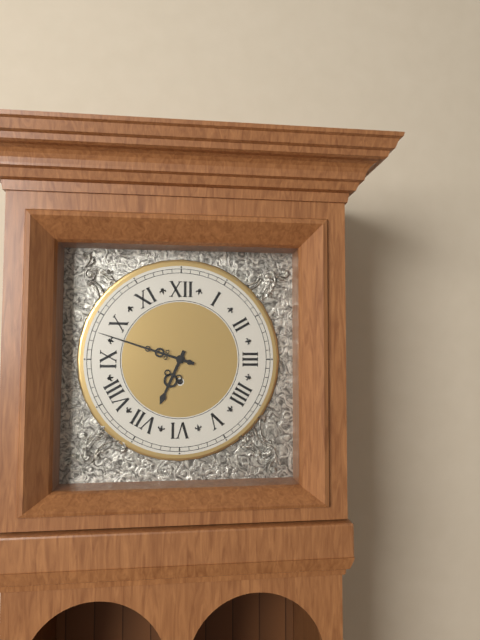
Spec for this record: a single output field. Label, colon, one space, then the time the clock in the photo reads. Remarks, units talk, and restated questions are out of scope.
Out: 6:48
